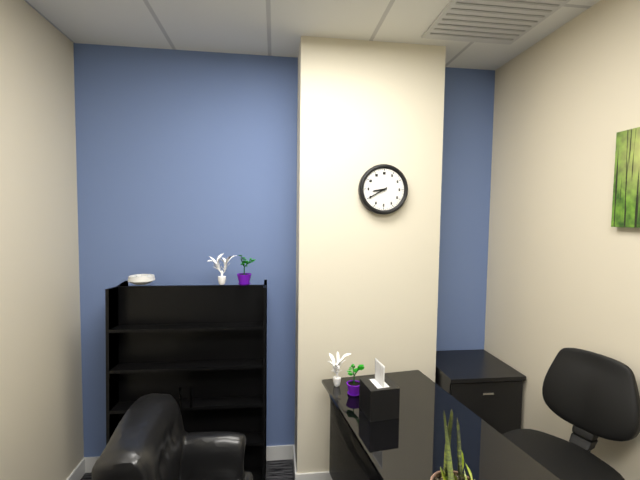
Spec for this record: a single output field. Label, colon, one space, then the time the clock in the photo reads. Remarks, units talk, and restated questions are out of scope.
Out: 8:40
